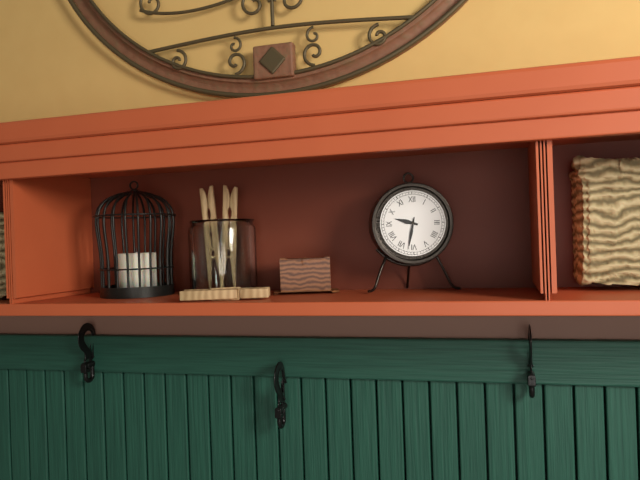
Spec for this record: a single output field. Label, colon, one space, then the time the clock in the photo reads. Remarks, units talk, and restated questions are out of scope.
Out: 9:32
